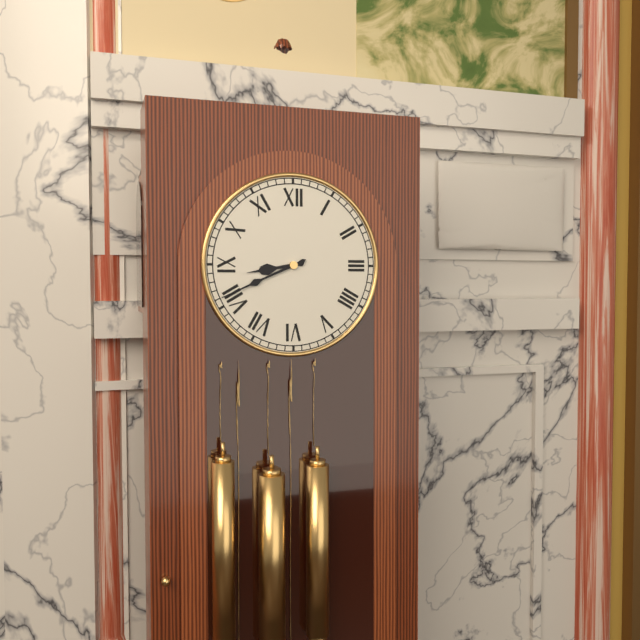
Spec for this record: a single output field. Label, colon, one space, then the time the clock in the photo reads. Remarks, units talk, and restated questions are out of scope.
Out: 8:41
